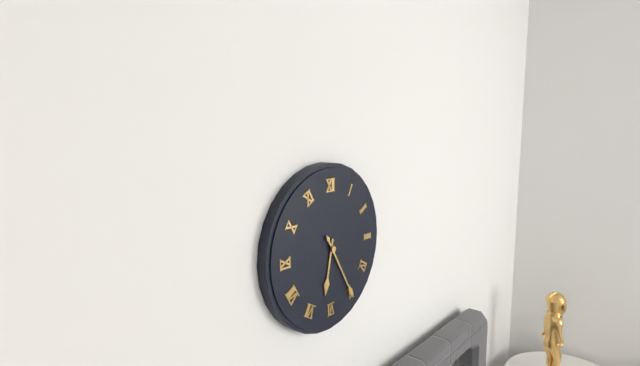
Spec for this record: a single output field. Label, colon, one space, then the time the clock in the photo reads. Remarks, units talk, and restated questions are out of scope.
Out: 6:25
